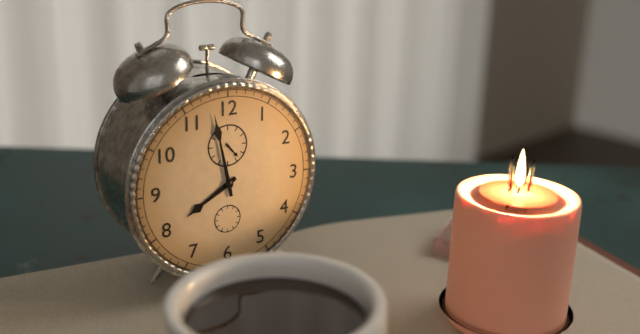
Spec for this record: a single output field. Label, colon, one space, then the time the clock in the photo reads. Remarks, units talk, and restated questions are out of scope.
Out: 7:58
